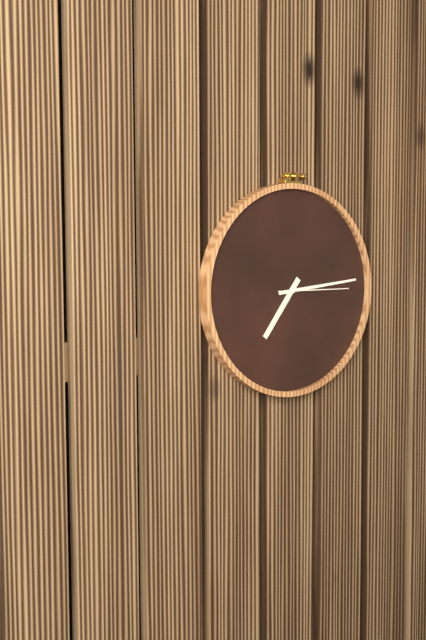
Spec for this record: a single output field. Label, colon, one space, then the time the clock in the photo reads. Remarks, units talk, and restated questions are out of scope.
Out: 7:14:15
